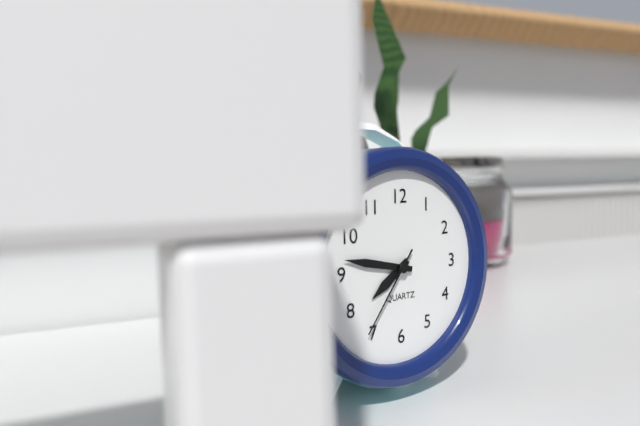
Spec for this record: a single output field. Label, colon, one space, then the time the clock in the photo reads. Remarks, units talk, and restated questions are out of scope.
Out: 7:47:36
